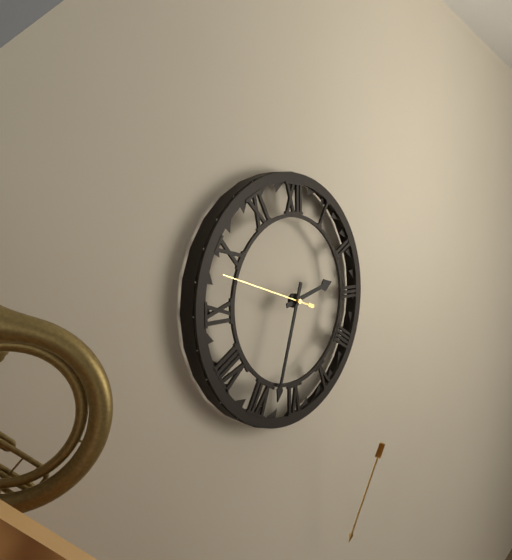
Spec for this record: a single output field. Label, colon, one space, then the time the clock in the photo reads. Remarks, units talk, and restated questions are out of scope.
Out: 2:33:48
